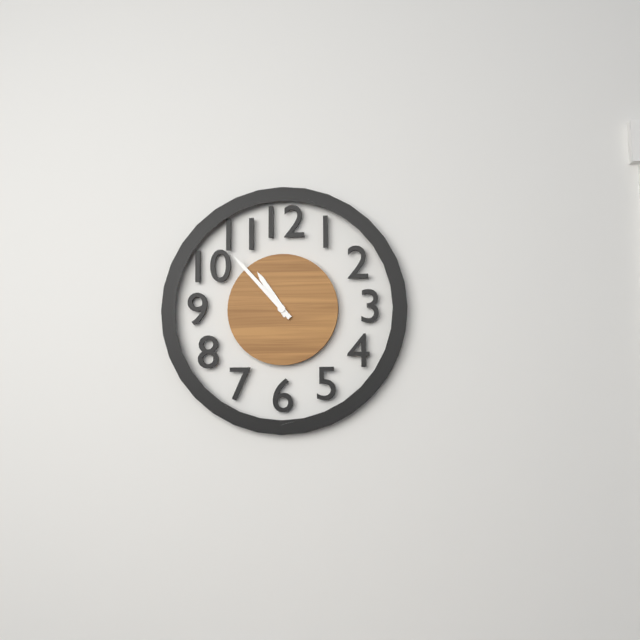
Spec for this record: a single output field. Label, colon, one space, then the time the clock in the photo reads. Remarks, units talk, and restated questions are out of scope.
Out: 10:53
